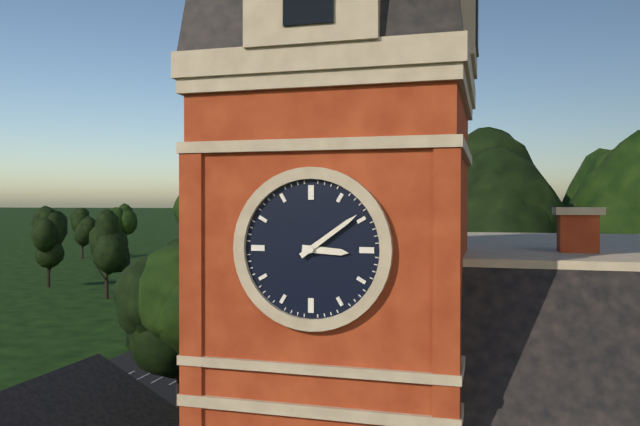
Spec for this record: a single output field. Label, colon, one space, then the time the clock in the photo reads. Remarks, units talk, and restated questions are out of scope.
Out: 3:09
